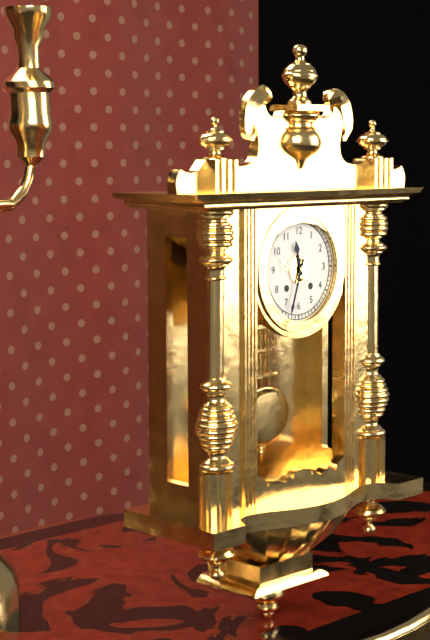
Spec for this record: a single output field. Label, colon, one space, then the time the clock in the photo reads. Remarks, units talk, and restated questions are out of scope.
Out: 11:33
